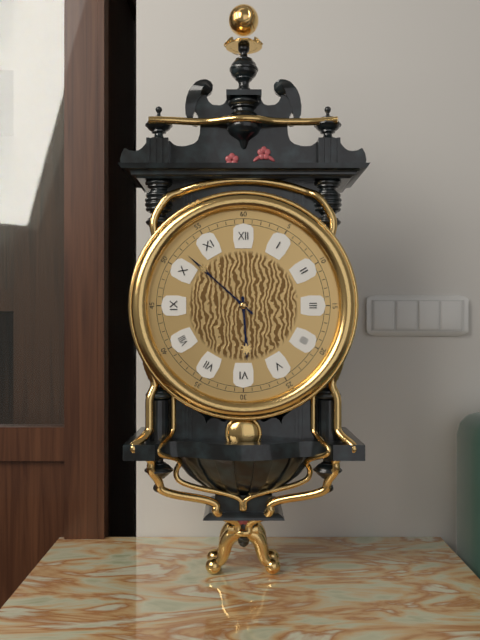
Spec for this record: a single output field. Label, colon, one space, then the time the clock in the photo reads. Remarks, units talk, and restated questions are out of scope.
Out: 5:52
